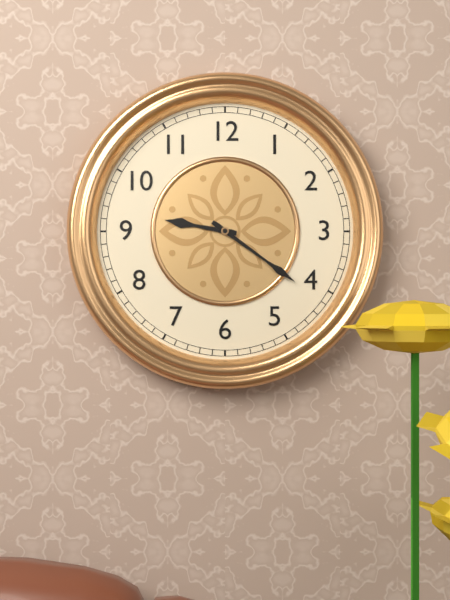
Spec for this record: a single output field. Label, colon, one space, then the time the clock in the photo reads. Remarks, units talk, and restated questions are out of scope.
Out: 9:21
